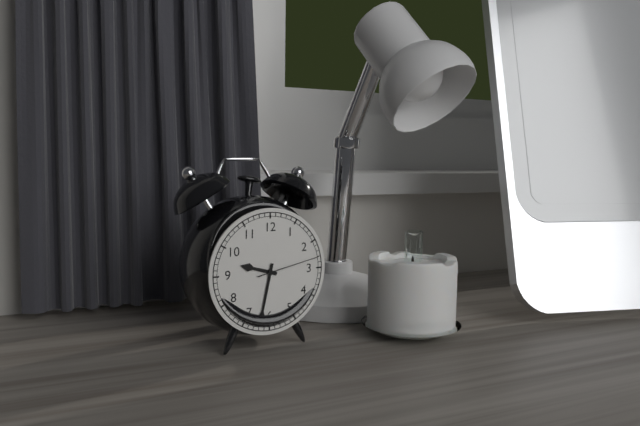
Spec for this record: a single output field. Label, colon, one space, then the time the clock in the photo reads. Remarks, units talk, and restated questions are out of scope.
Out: 9:32:13
